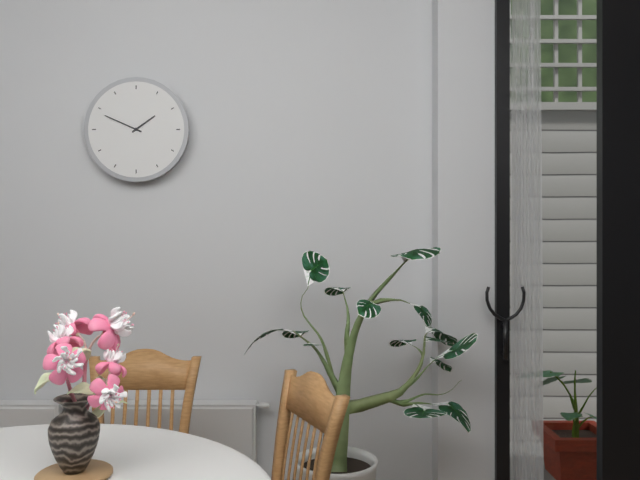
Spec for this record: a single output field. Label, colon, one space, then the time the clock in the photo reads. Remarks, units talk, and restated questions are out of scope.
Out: 1:49
